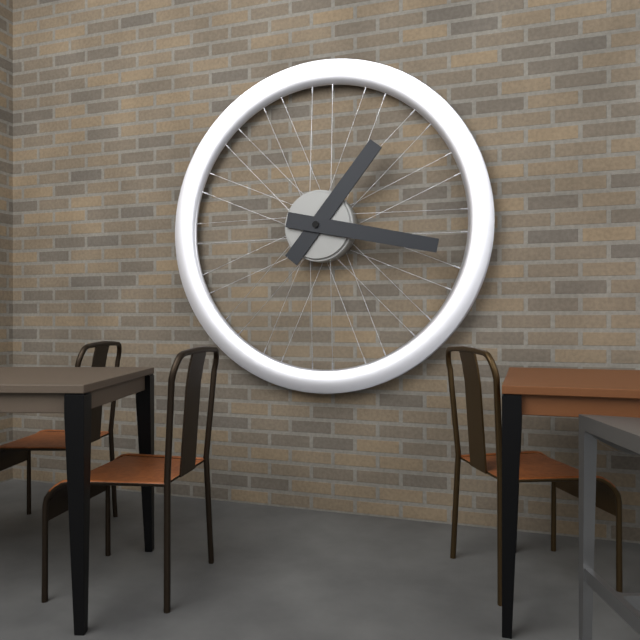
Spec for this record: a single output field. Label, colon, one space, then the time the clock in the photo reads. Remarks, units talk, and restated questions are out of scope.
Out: 1:17
